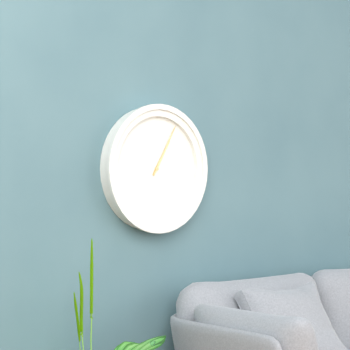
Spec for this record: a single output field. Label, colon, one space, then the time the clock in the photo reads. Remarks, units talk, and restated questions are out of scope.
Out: 1:05
